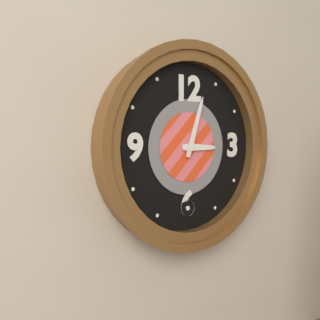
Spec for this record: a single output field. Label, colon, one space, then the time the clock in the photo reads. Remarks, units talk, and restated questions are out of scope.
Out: 3:03
